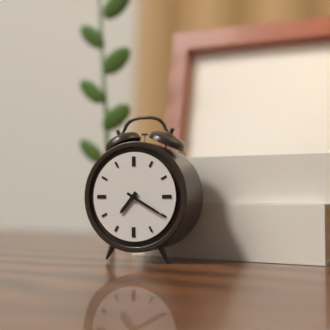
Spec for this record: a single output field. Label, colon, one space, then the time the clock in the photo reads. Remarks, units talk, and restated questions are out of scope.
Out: 7:20
